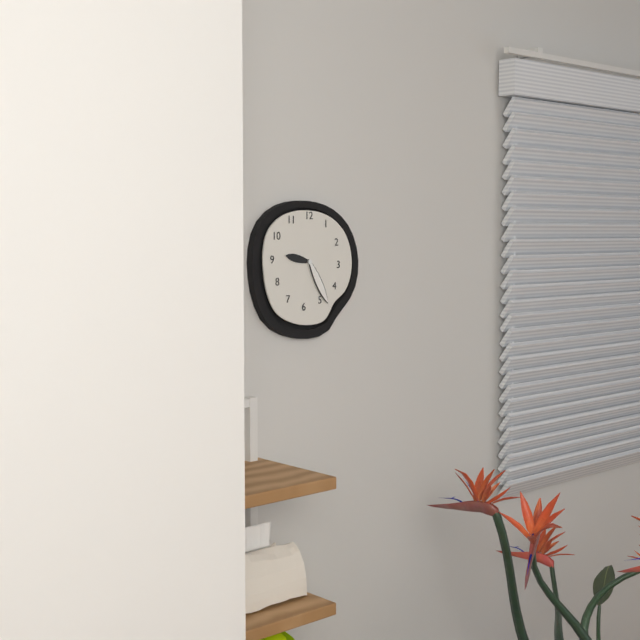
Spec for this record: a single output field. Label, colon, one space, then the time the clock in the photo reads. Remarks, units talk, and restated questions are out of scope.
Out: 9:25
